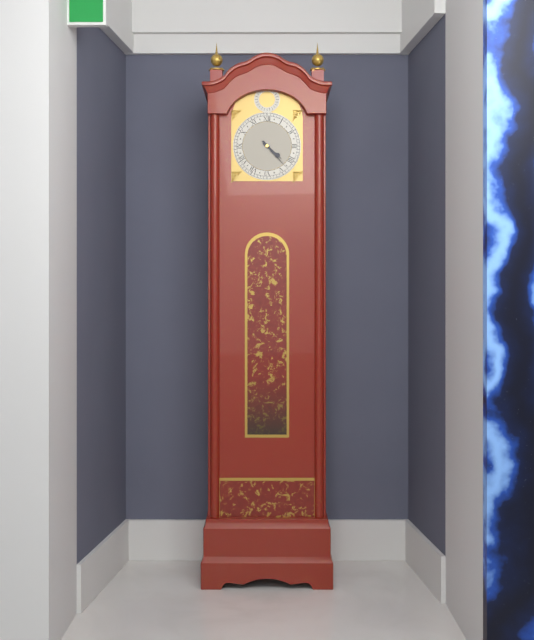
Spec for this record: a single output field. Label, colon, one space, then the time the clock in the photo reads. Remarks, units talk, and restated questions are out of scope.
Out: 4:23
